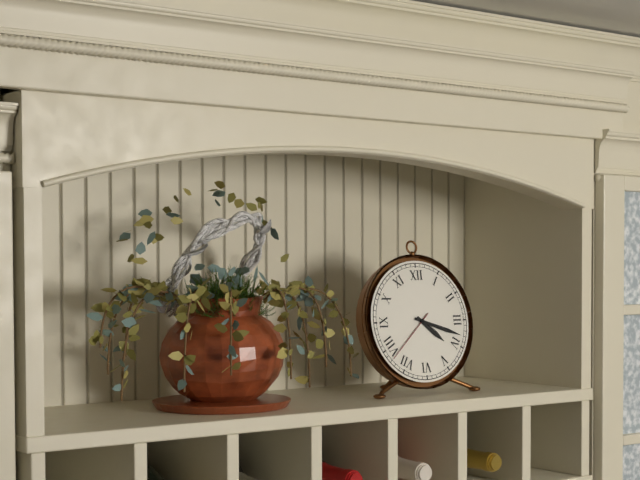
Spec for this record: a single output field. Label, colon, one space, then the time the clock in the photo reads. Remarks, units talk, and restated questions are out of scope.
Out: 4:18:38
